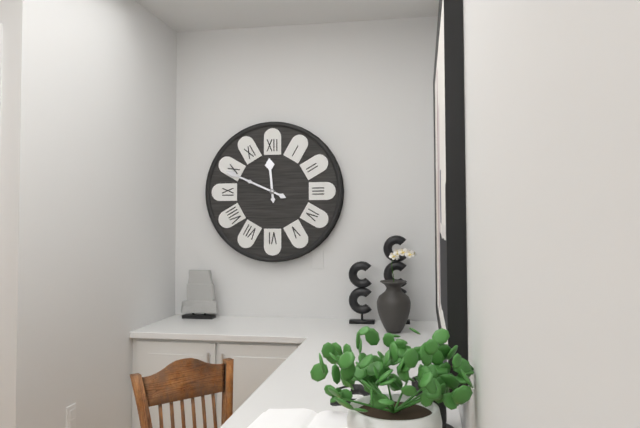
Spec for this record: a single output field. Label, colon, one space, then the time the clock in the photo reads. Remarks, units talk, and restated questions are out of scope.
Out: 11:49
